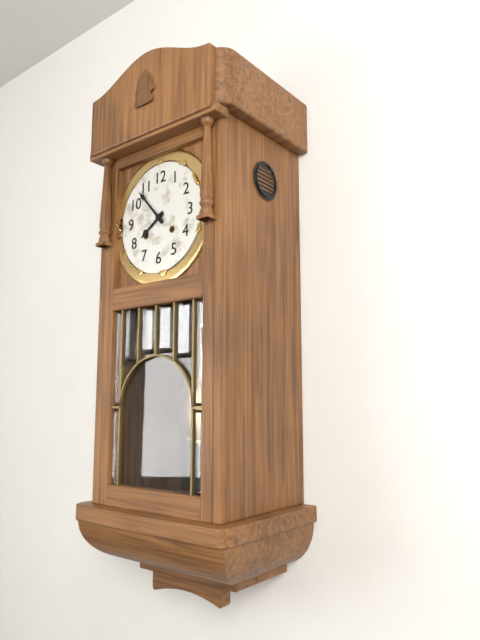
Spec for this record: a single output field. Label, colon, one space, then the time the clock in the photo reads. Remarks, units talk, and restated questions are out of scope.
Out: 7:53
